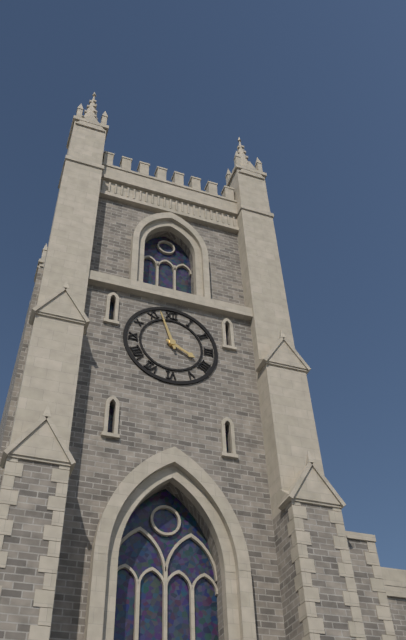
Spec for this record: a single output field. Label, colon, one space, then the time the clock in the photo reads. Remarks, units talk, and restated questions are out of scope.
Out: 3:57
